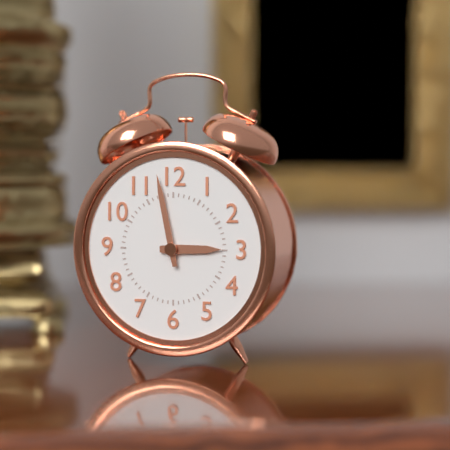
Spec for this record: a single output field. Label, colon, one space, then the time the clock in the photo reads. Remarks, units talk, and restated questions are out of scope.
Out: 2:58
